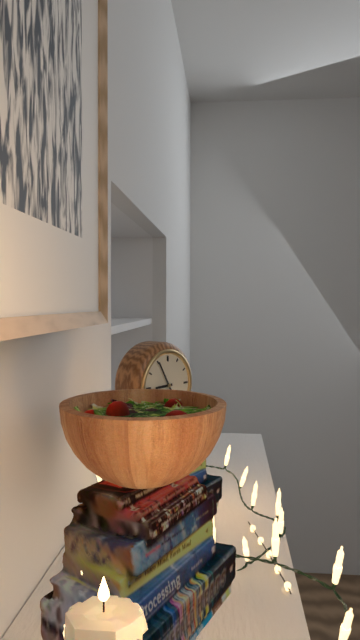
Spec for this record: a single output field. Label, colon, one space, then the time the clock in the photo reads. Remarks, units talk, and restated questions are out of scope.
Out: 8:55
